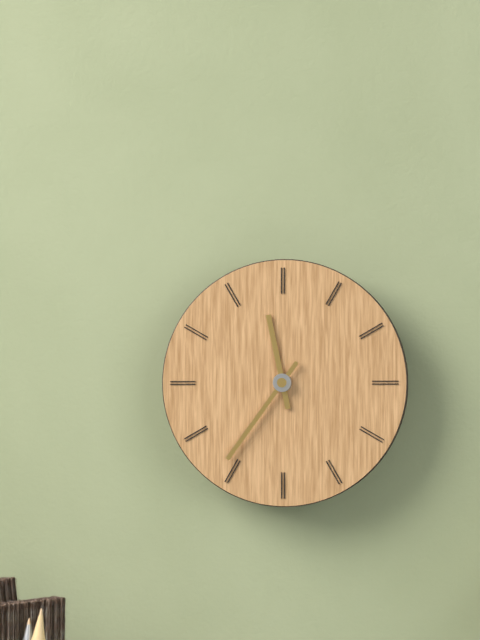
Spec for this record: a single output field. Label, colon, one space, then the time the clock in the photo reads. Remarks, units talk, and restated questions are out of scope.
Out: 11:36
